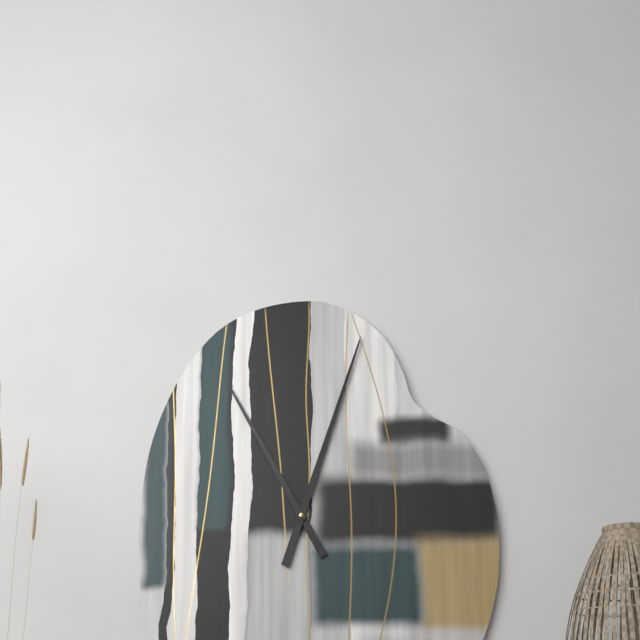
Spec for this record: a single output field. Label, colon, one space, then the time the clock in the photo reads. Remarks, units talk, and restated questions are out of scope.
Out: 11:03
